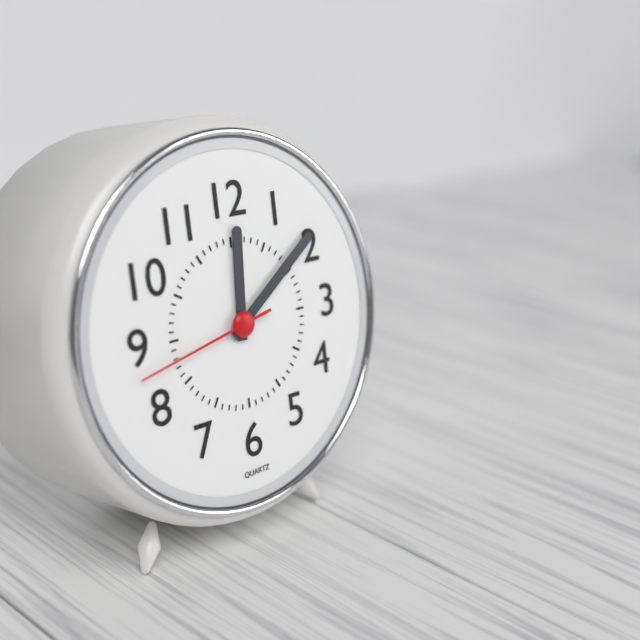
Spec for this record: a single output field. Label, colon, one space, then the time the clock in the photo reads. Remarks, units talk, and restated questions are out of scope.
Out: 12:09:43
